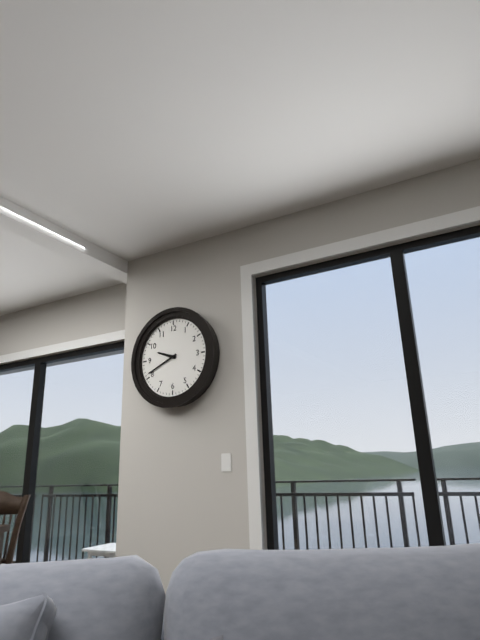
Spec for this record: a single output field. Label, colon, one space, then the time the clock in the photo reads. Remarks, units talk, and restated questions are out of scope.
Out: 9:41
